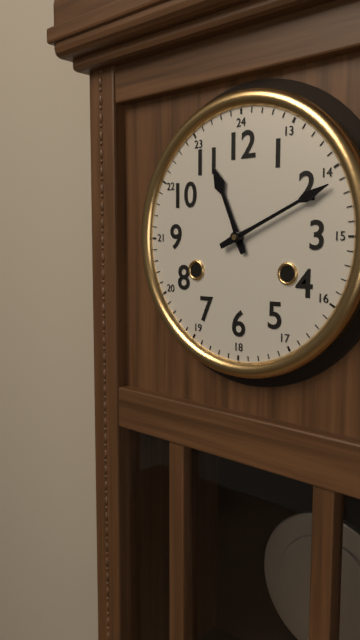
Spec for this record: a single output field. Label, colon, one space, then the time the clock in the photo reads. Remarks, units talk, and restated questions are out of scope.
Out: 11:11
